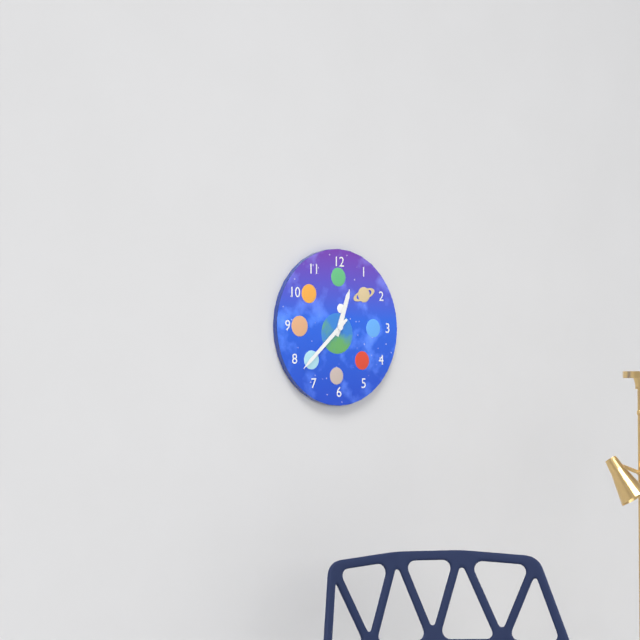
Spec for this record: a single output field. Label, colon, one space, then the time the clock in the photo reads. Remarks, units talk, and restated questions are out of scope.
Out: 12:38
